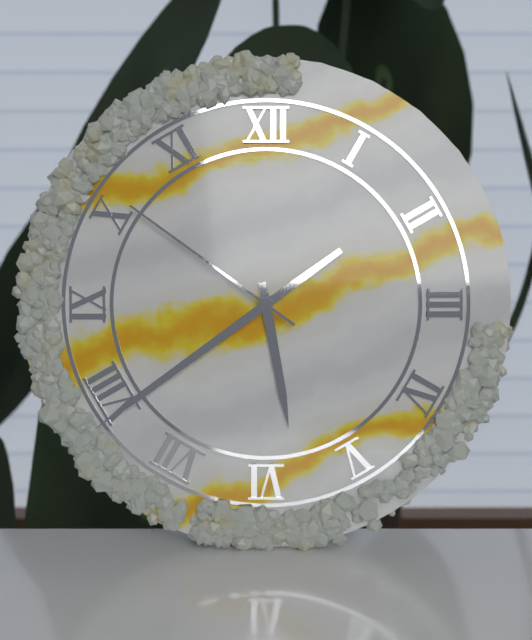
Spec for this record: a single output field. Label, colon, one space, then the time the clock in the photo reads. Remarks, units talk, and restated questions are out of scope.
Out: 5:39:51
